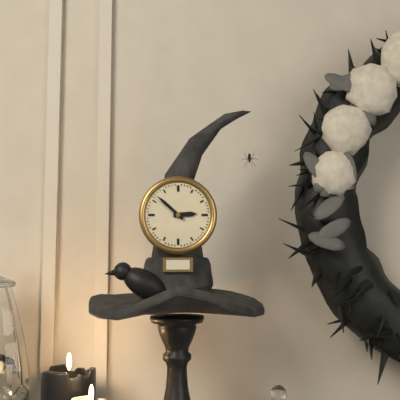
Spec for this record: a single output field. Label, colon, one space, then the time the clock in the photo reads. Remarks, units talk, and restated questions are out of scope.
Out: 2:52
